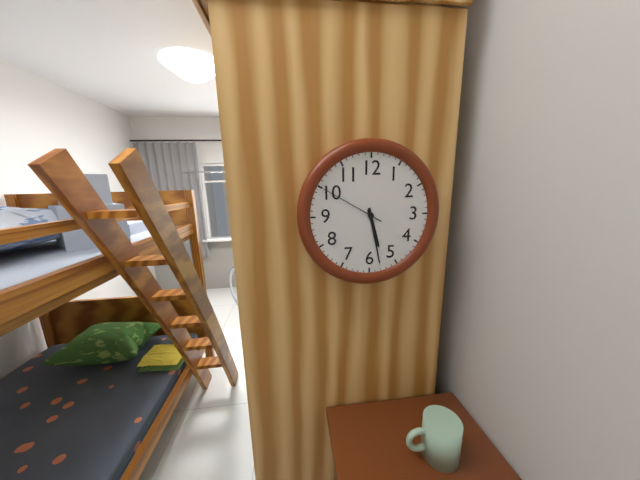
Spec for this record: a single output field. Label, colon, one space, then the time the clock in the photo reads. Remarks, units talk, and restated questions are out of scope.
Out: 5:28:50
